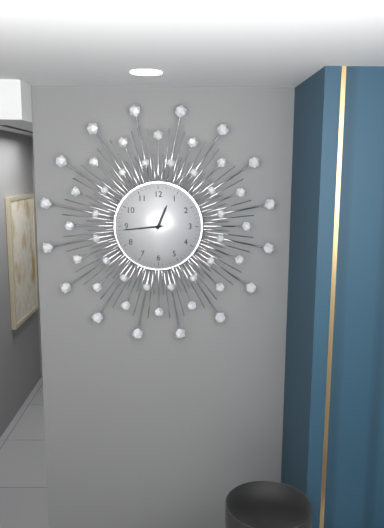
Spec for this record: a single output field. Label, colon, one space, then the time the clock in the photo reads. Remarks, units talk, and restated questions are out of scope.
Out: 12:44
